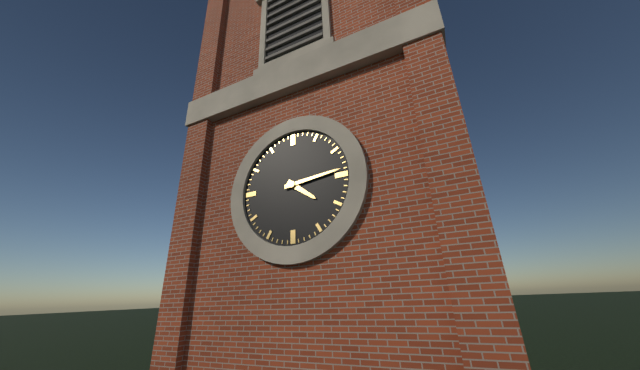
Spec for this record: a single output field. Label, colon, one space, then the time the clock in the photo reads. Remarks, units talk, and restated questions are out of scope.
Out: 4:14
